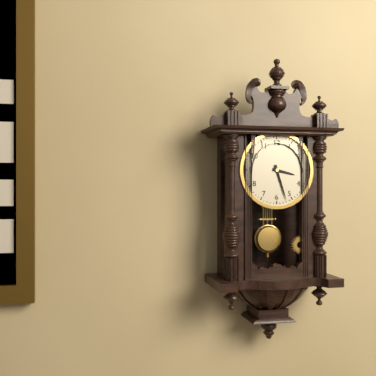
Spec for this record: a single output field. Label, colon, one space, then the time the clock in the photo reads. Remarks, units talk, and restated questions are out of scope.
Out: 3:27
